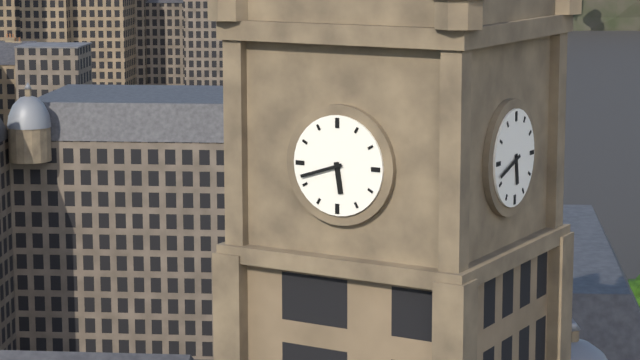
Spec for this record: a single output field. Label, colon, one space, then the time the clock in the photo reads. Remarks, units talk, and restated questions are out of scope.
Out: 5:42
